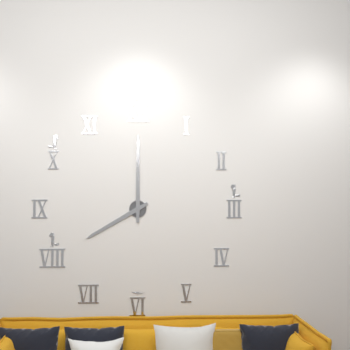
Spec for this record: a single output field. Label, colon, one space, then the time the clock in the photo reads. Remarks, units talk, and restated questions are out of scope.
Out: 8:00
